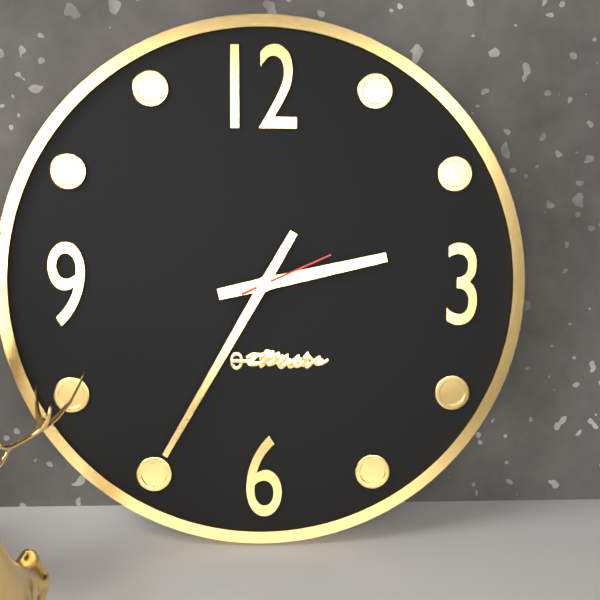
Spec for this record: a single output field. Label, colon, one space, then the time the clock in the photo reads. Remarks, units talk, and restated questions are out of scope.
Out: 2:35:11
